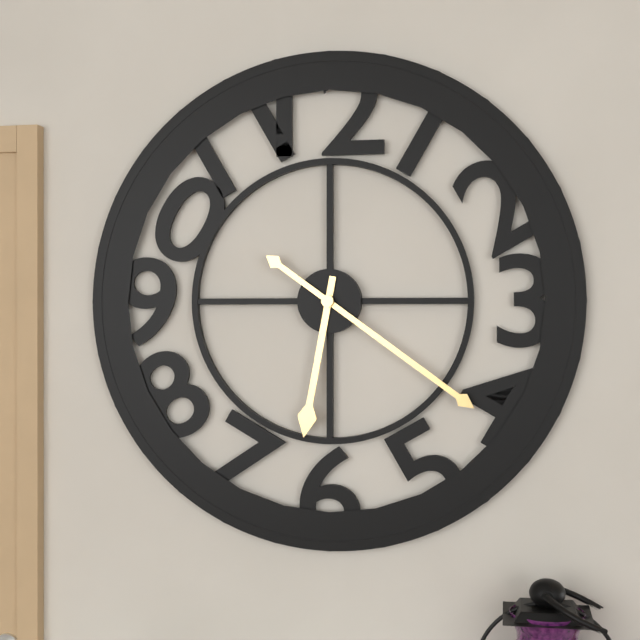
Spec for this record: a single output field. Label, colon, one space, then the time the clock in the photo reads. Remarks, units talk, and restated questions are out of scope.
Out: 6:21
